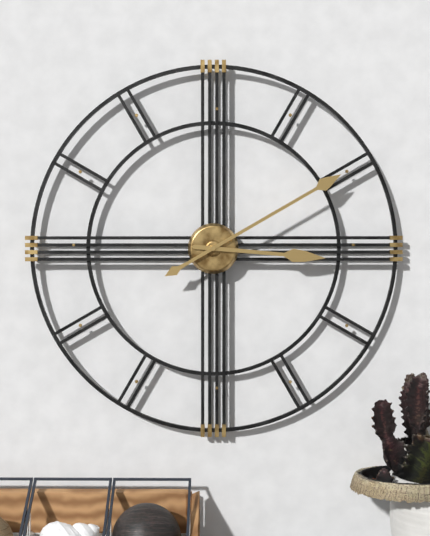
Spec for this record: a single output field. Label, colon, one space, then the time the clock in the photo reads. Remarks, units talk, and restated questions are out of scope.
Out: 3:10
